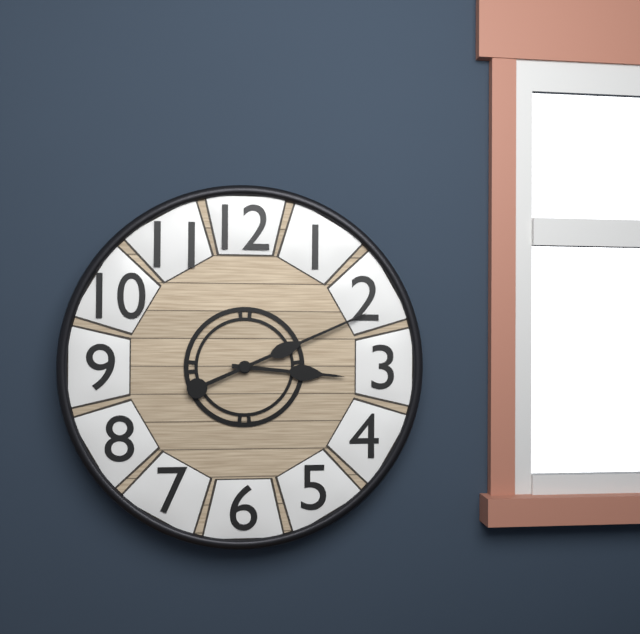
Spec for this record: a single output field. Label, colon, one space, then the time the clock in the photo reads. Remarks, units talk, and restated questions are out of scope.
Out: 3:11
